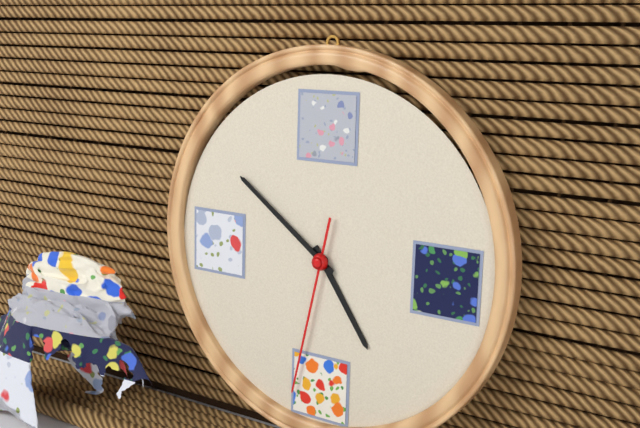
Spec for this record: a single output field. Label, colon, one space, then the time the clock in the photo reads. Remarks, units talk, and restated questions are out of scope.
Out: 4:51:32
